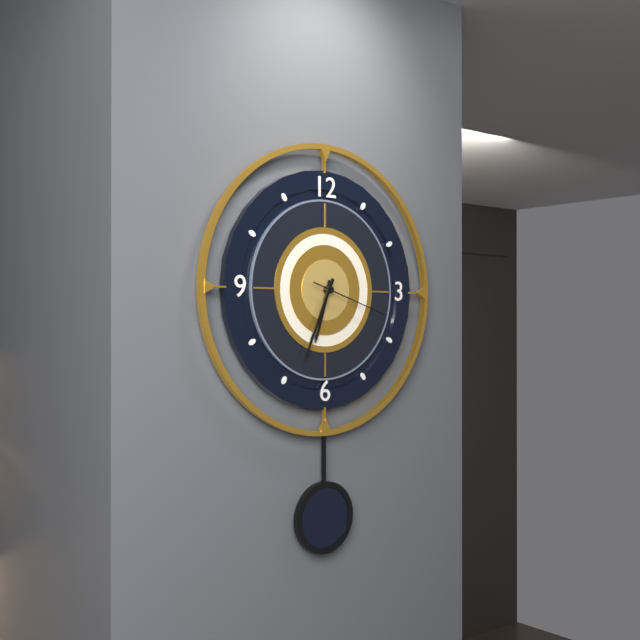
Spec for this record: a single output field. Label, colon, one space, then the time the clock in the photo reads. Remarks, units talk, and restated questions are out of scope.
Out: 6:34:18
